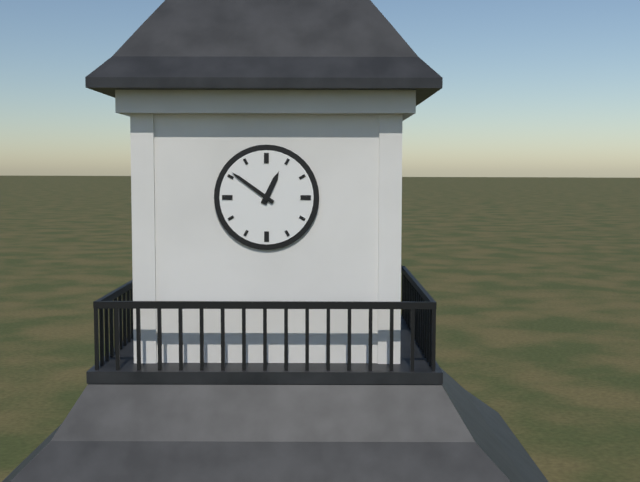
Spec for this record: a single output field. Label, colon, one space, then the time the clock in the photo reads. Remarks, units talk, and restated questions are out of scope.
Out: 12:51
